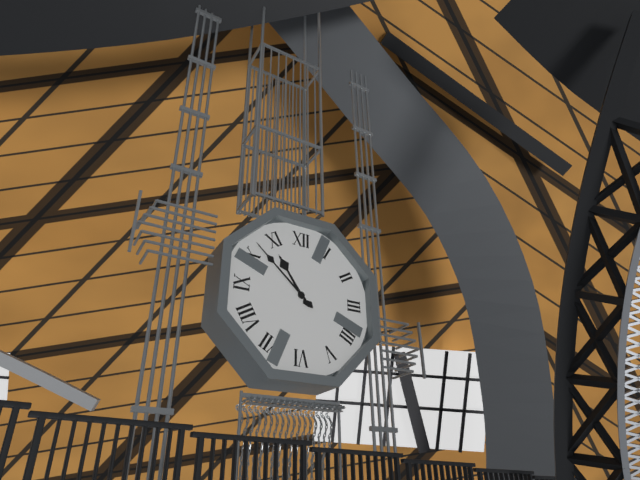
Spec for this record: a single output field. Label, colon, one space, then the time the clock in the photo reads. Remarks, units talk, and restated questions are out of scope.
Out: 10:52
